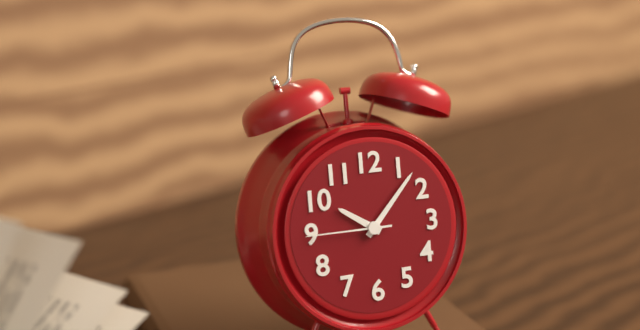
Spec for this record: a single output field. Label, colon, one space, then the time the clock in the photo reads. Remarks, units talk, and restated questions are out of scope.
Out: 10:07:45
